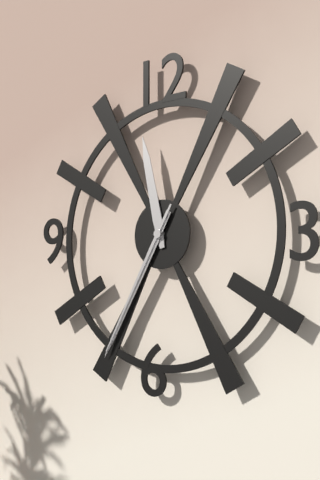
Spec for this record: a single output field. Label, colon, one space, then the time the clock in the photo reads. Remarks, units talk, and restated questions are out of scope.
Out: 11:35:35
